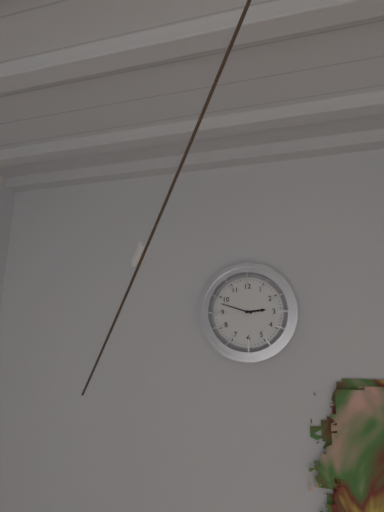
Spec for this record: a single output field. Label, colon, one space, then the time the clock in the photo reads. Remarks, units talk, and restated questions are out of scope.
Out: 2:48
